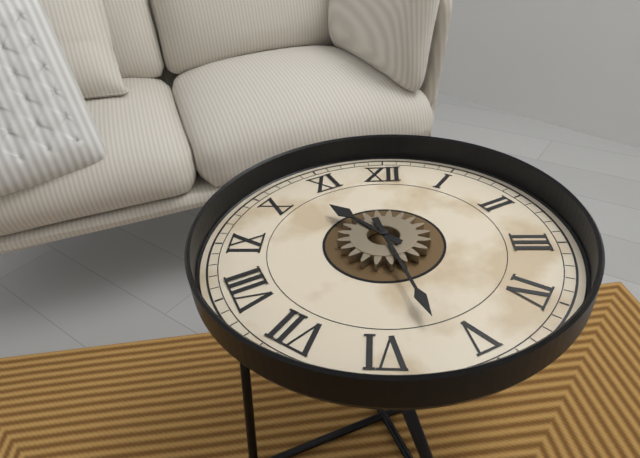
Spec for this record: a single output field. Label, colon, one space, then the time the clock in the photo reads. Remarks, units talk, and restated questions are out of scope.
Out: 10:27
